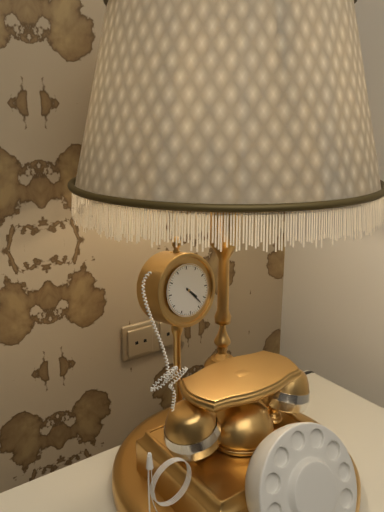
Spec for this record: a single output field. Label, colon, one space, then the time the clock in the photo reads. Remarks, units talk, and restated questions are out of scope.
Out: 4:23
